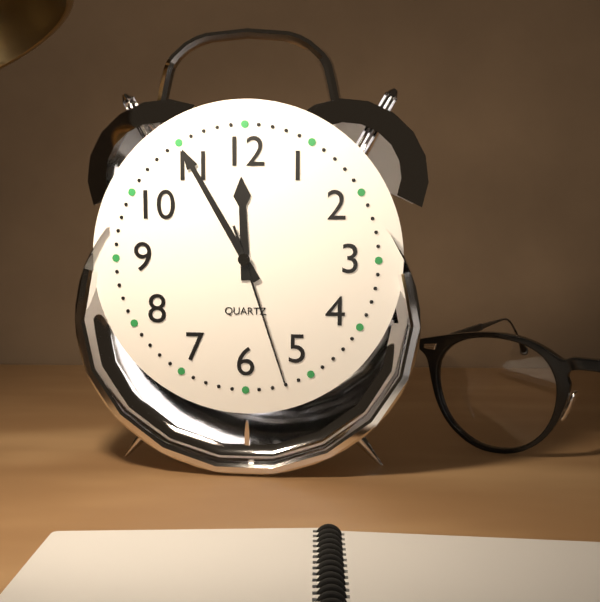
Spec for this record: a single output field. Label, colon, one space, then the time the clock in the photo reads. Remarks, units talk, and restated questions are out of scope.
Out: 11:55:27
